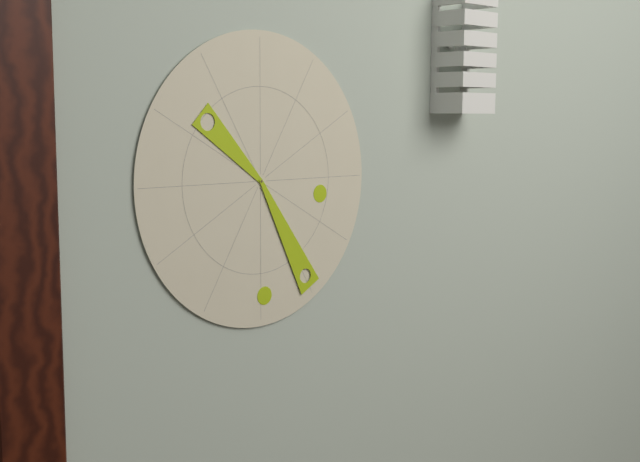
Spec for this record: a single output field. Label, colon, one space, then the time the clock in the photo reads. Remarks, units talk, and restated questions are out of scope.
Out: 10:25
